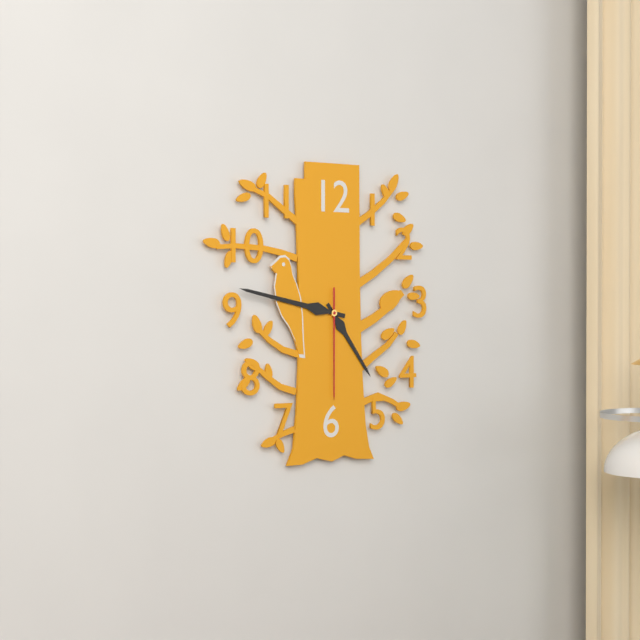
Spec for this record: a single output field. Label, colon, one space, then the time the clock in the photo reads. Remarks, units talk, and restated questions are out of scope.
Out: 4:47:30
